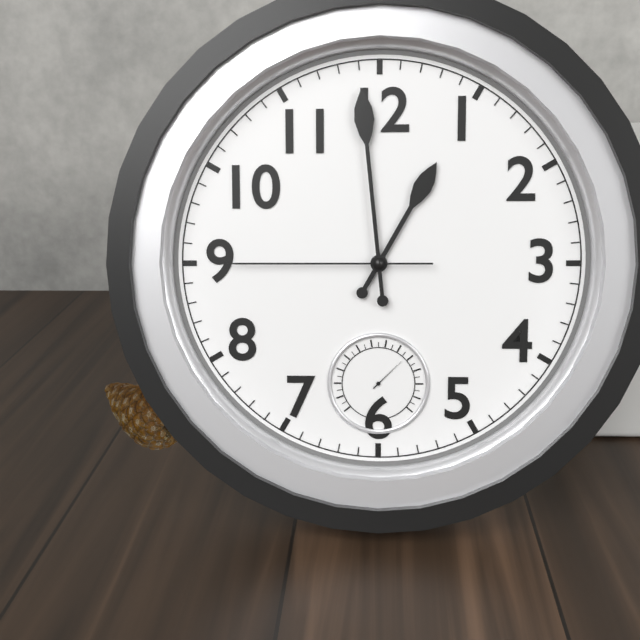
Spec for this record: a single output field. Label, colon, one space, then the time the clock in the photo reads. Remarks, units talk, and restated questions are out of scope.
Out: 12:59:45
